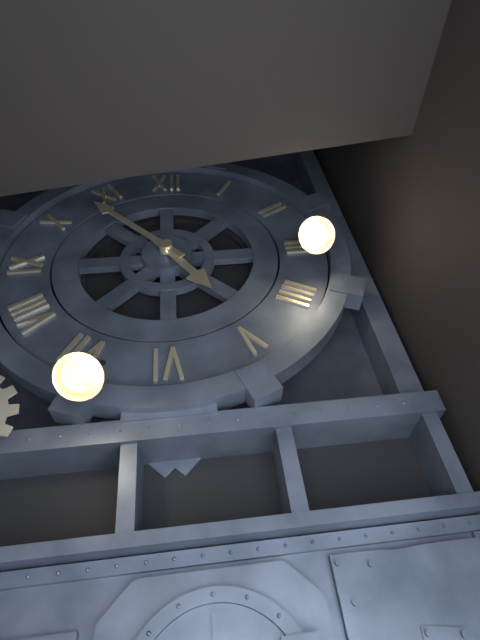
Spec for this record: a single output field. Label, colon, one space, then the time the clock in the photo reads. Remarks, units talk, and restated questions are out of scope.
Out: 4:53
